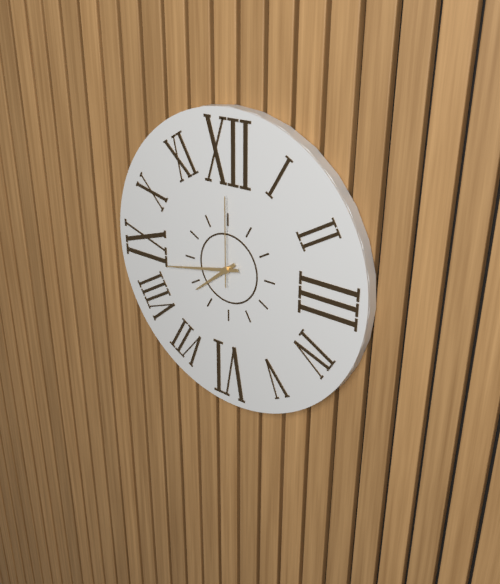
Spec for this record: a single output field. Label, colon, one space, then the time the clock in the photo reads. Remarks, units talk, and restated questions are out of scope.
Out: 7:43:00
